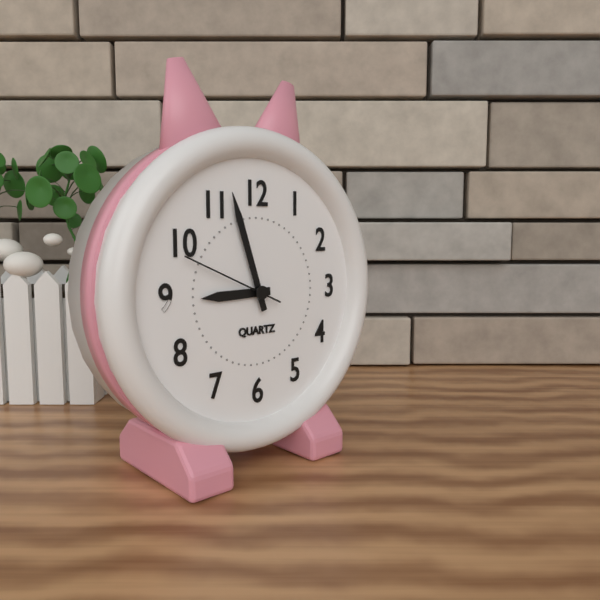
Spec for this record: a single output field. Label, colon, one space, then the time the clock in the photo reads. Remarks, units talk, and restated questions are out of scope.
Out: 8:57:49
